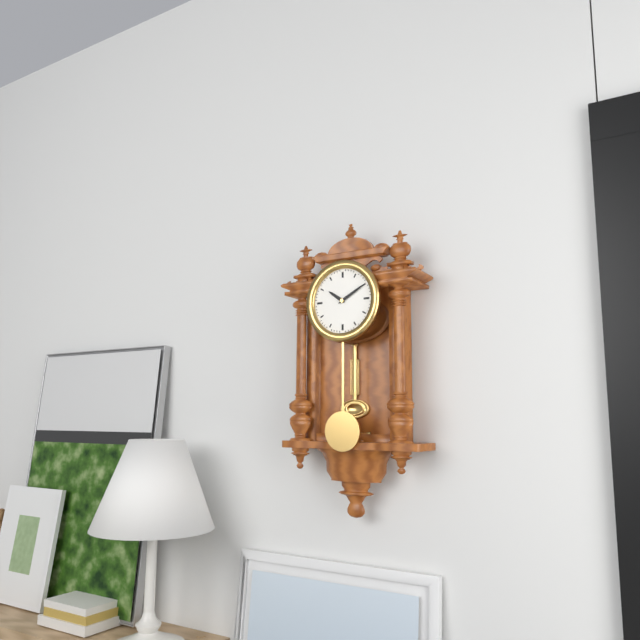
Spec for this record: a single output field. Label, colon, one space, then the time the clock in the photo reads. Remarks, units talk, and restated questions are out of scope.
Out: 10:10
